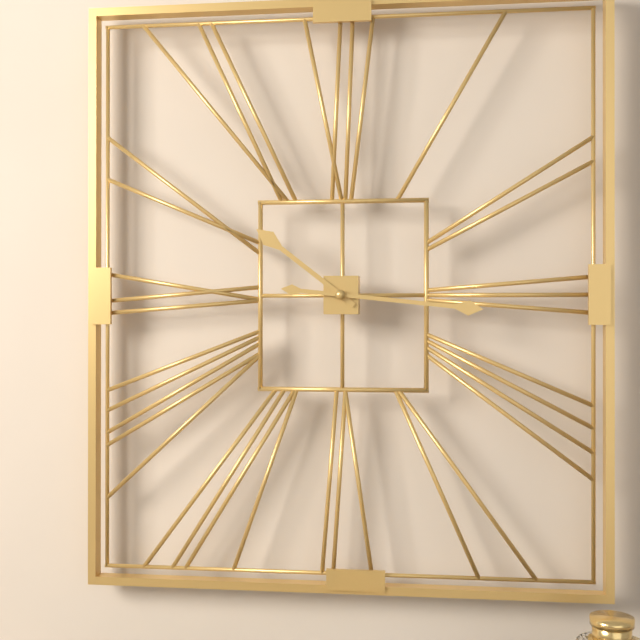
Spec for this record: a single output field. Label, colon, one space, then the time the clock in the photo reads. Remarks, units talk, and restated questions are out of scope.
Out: 10:16
